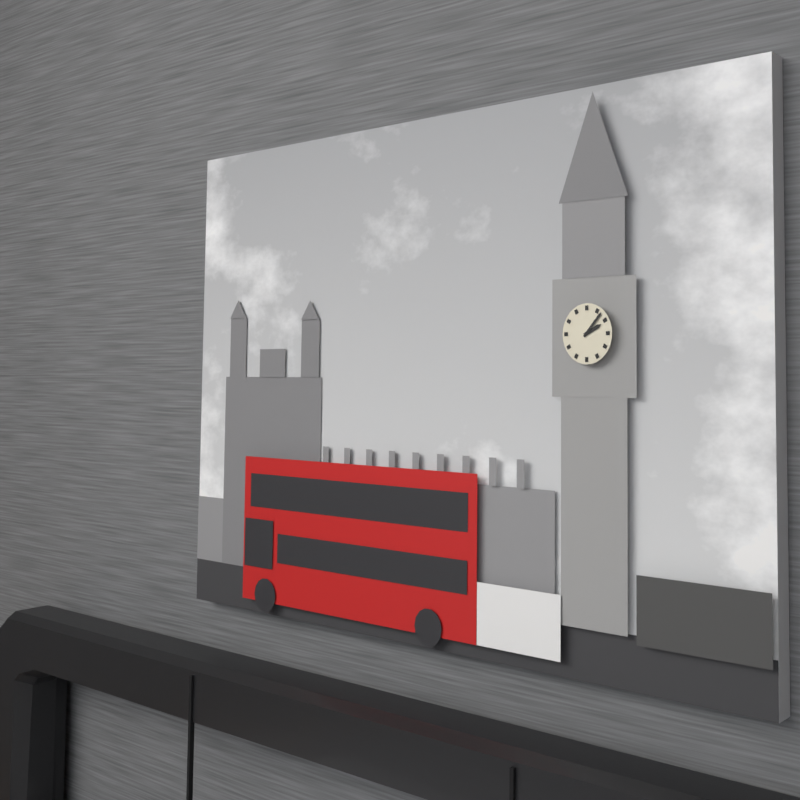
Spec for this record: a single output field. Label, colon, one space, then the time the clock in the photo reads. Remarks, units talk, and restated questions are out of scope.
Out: 2:07
